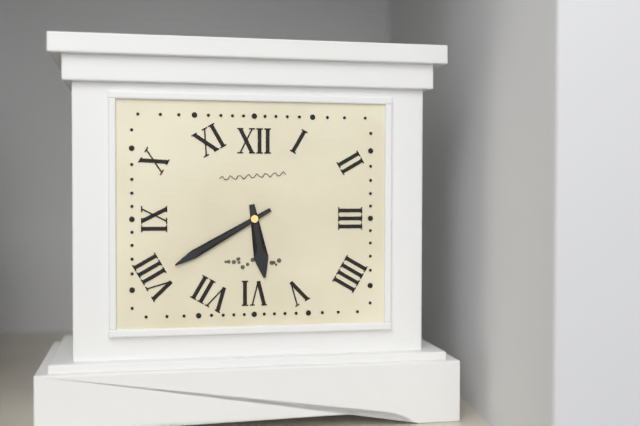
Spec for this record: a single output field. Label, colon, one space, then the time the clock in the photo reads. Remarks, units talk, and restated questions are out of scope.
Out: 5:40
